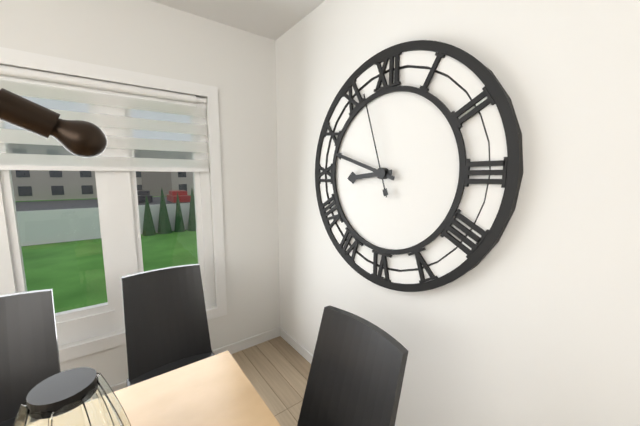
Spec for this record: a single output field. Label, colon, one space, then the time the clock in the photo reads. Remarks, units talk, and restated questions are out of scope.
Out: 8:48:57
